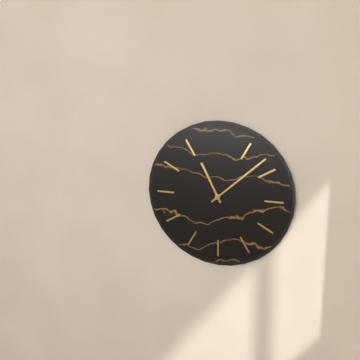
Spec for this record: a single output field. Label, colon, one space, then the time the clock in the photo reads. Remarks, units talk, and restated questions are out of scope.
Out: 11:08
